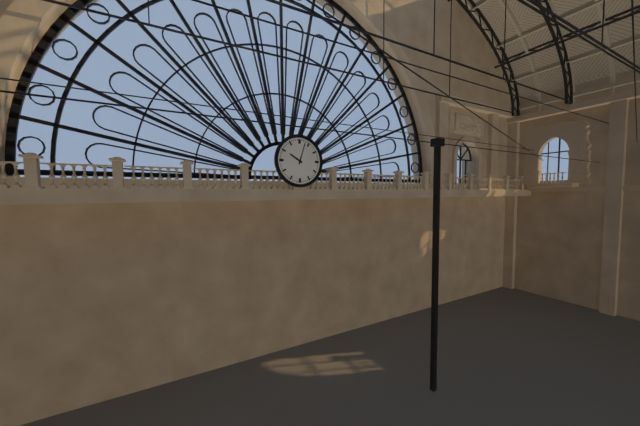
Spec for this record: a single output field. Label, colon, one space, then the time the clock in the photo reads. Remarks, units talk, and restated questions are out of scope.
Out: 10:03
